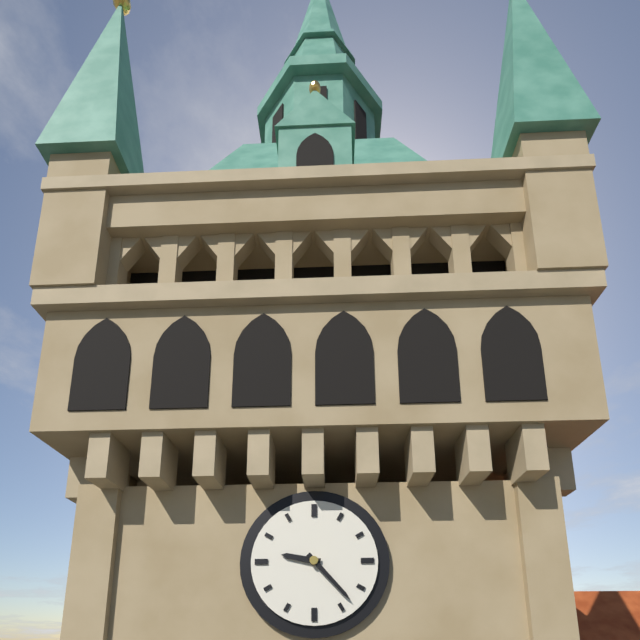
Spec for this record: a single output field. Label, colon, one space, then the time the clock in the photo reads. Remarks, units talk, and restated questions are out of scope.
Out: 9:23
